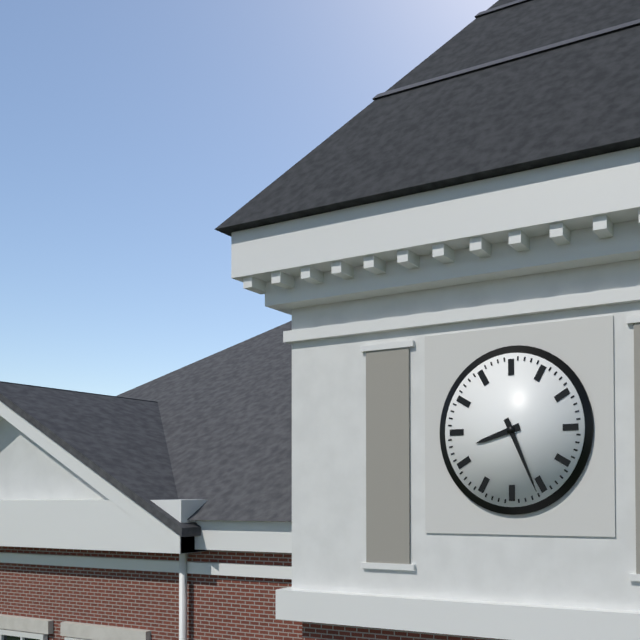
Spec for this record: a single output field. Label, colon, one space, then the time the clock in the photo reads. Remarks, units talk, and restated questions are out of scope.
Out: 8:26
